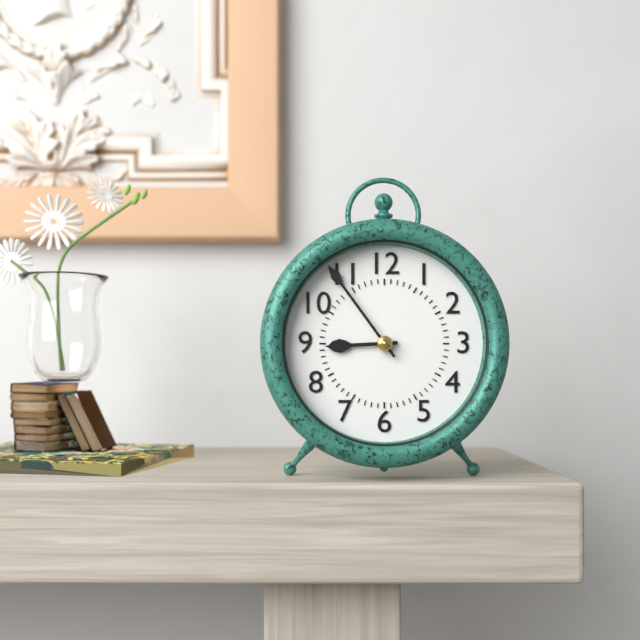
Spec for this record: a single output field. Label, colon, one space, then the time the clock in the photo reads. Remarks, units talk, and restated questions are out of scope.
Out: 8:54
